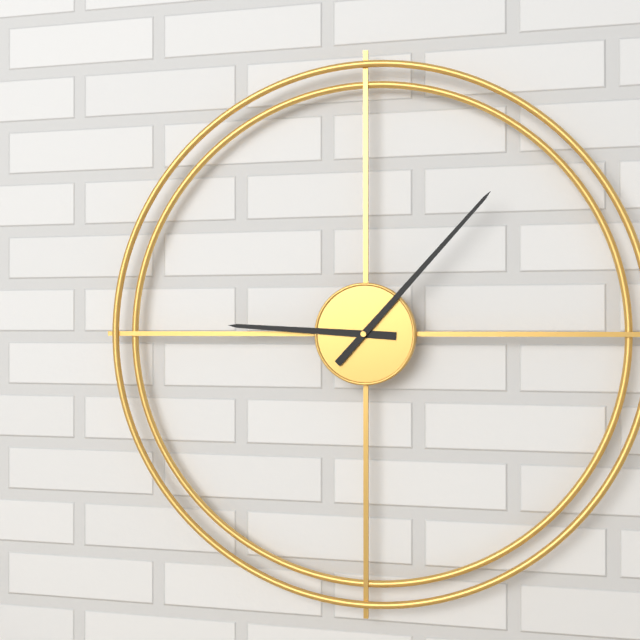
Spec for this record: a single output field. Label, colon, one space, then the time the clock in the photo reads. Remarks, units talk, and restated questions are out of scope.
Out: 9:07
